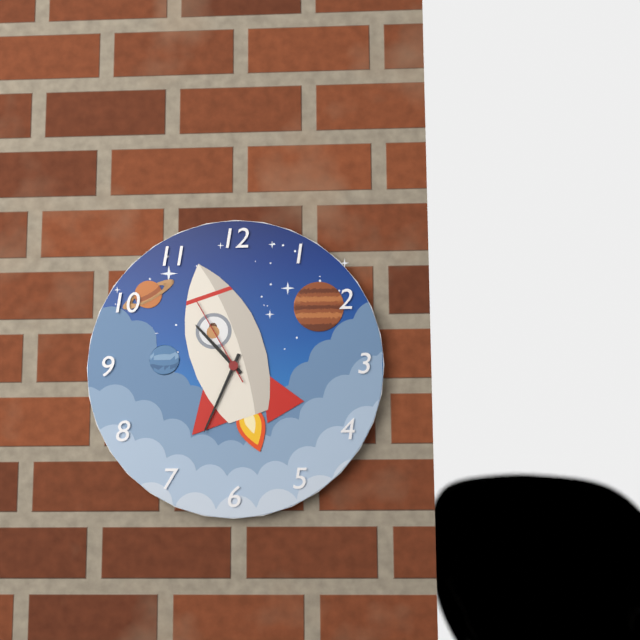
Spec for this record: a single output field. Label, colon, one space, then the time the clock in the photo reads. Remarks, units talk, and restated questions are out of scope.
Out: 10:34:55
